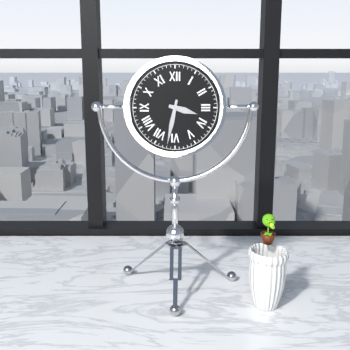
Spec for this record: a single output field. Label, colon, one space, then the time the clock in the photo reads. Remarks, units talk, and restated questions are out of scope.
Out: 3:32
